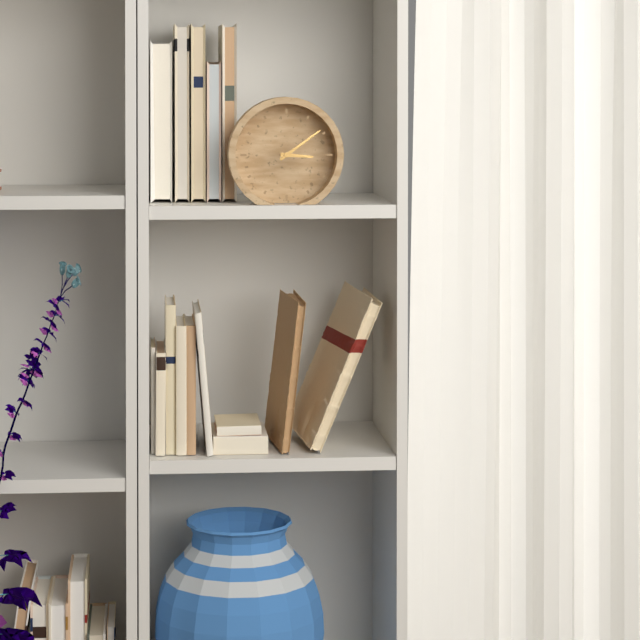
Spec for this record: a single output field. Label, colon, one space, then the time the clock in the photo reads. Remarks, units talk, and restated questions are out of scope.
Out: 3:09
